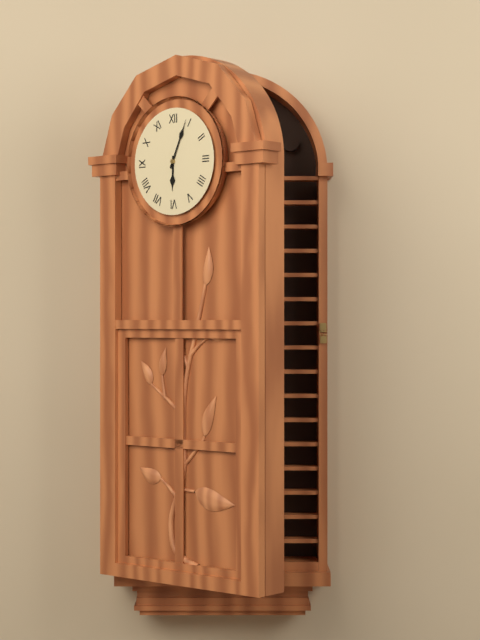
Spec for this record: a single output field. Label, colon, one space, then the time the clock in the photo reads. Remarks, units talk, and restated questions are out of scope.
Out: 6:04
